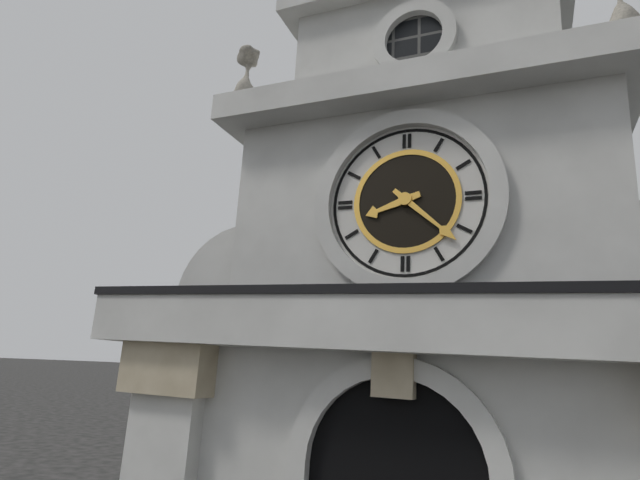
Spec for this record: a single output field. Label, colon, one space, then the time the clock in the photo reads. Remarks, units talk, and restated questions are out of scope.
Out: 8:22
